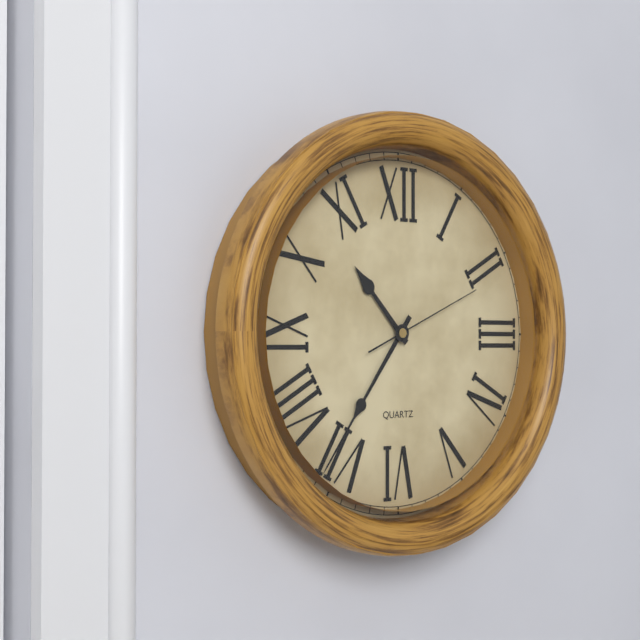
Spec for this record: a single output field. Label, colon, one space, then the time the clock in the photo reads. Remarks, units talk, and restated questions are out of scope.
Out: 10:36:11
